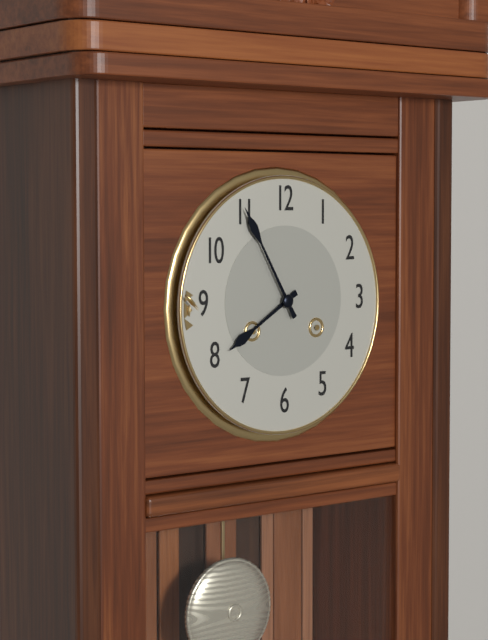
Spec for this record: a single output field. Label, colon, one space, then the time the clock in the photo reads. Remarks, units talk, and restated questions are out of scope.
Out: 7:55
